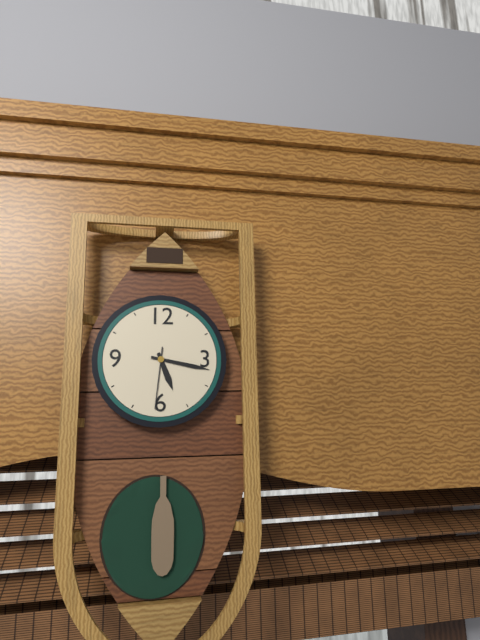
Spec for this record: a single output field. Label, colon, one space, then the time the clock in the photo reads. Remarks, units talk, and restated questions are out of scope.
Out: 5:17:31
